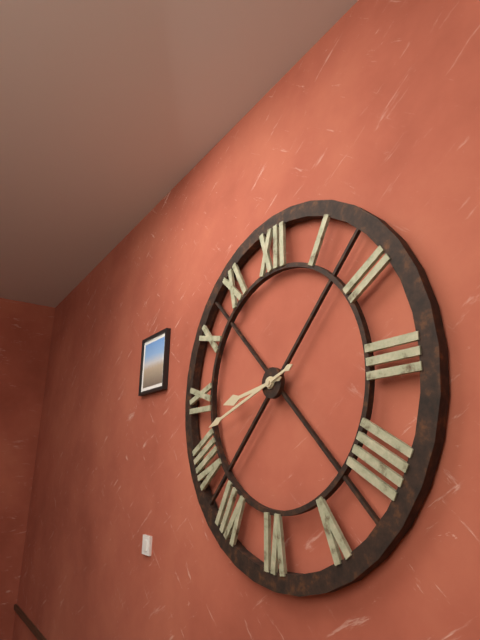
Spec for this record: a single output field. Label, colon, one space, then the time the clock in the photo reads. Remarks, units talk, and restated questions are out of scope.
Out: 8:42
